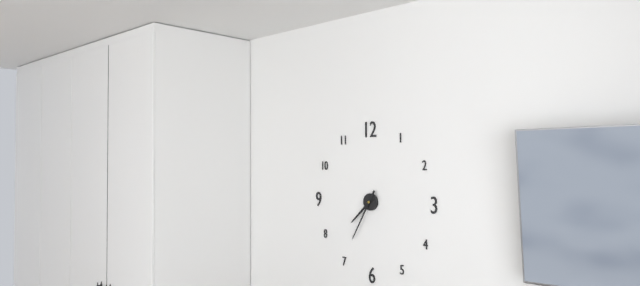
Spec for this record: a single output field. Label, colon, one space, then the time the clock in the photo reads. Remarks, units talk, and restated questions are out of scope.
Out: 7:35
